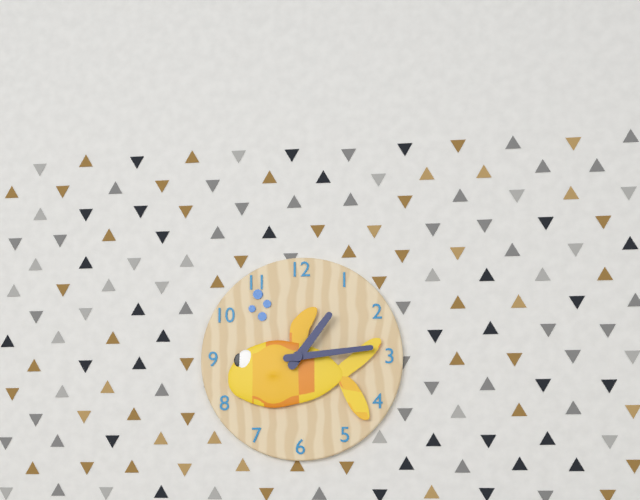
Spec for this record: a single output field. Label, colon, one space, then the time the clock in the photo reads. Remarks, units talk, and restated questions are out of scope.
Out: 1:14
